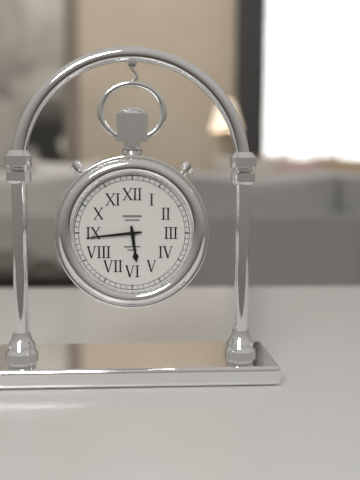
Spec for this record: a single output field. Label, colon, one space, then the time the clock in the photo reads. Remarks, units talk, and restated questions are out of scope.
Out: 5:44
